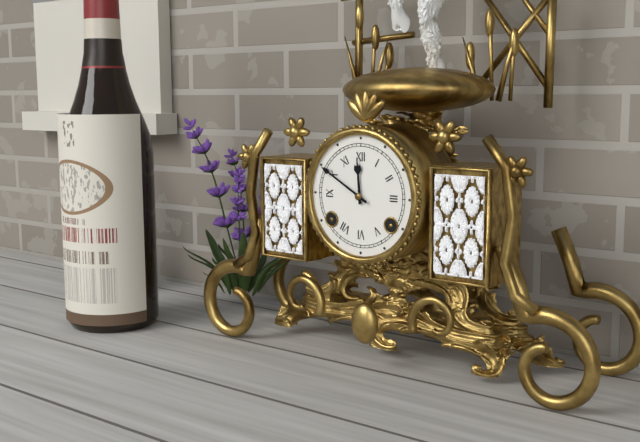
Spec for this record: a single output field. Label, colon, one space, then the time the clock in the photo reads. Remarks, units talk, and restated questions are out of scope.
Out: 11:50
